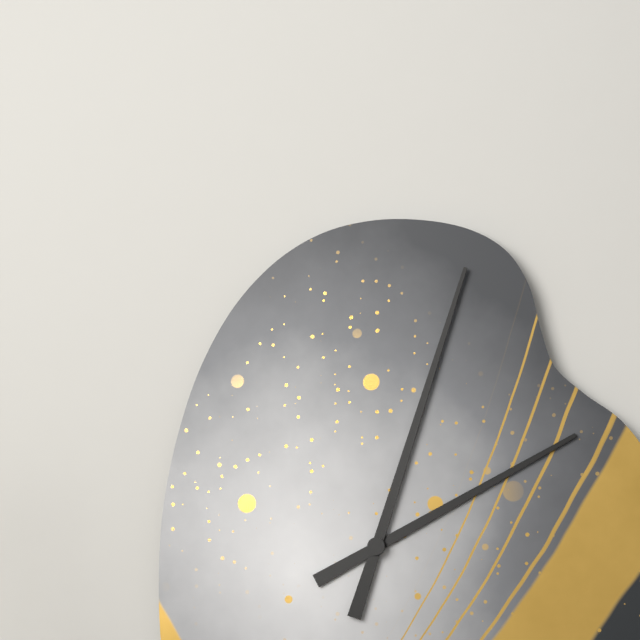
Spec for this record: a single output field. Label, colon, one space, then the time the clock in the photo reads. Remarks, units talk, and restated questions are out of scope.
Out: 2:03
